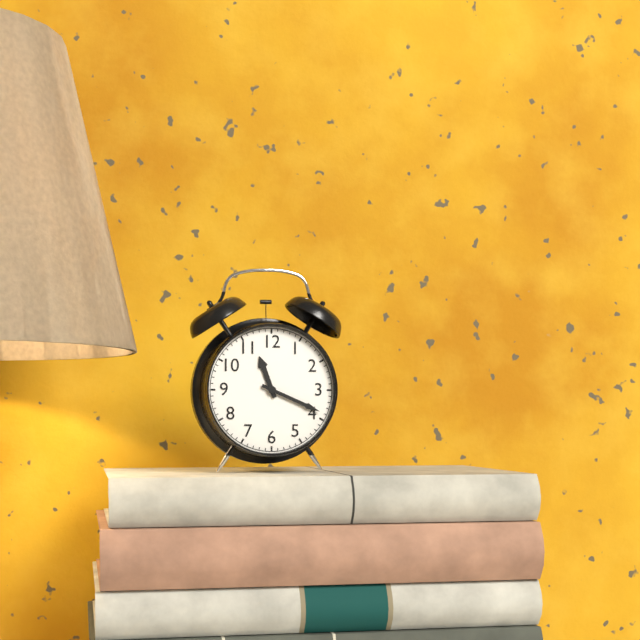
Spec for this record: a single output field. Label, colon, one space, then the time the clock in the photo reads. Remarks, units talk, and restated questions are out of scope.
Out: 11:19
